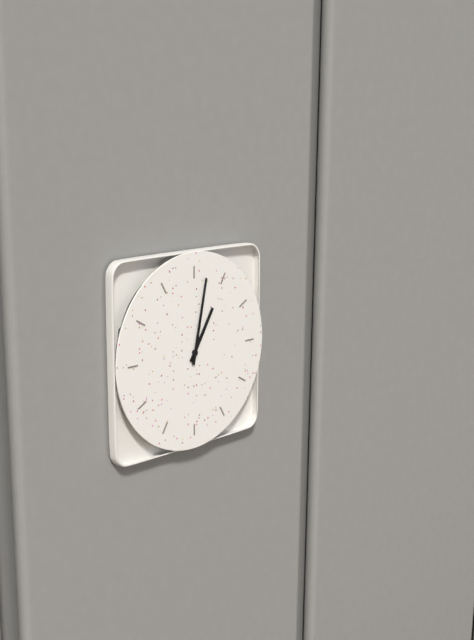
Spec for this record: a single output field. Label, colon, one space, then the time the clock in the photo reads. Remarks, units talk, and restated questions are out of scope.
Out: 1:02
